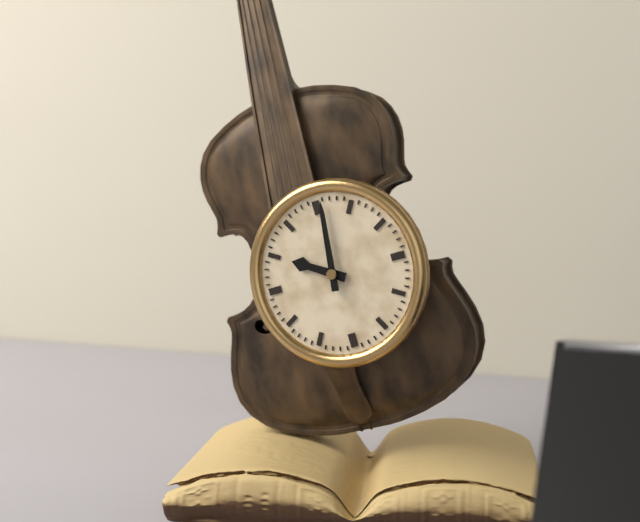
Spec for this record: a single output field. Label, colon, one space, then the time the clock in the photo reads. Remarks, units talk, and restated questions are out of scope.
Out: 10:01
